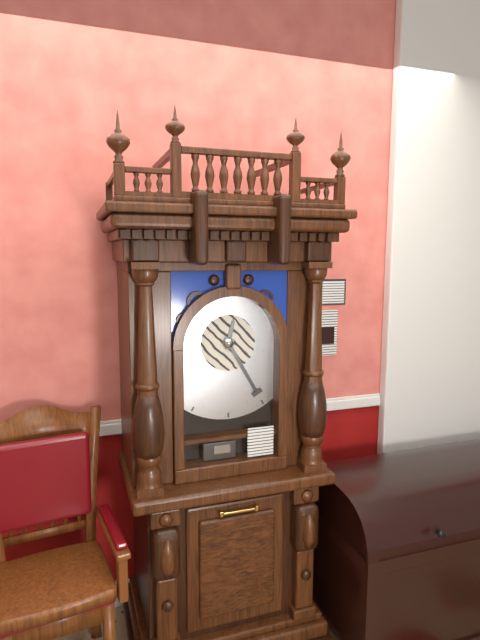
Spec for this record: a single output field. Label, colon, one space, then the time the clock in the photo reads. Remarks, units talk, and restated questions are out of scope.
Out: 12:25
